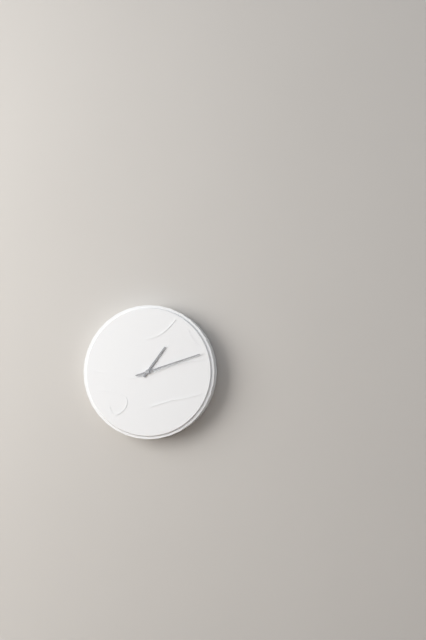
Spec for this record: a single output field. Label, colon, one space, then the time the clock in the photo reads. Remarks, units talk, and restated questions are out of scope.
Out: 1:12
